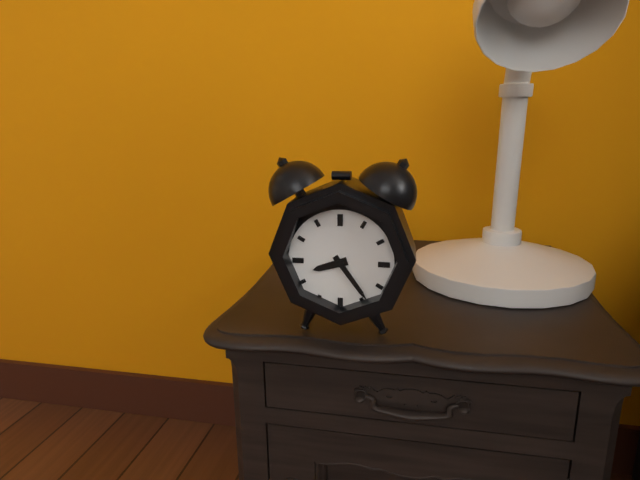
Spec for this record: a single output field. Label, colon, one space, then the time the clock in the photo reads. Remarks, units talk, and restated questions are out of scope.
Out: 8:24
